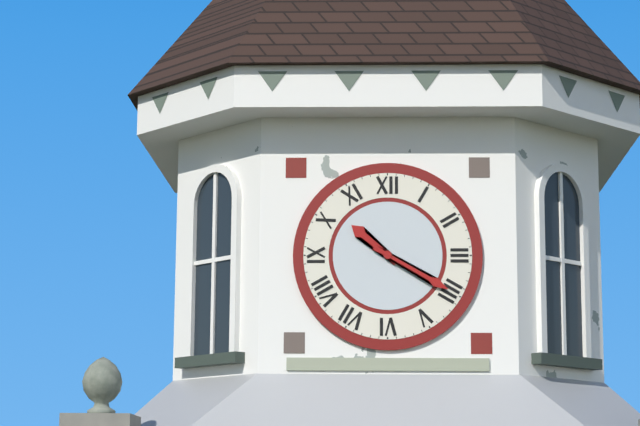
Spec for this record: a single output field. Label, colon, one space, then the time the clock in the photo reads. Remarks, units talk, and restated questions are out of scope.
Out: 10:20
